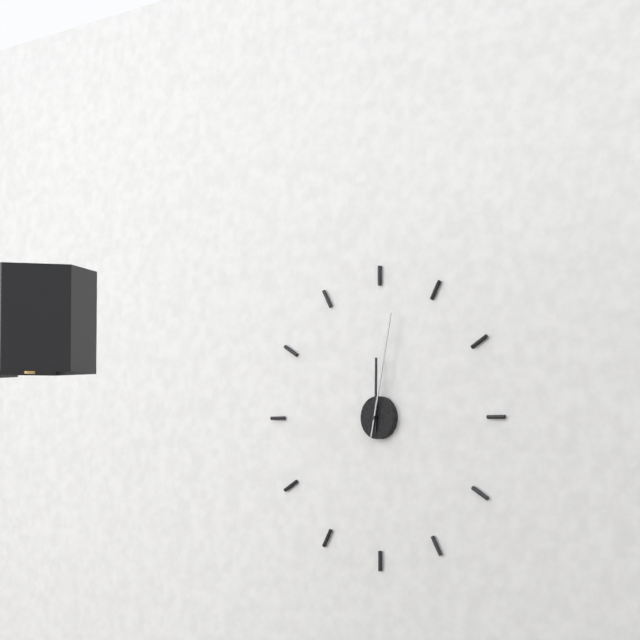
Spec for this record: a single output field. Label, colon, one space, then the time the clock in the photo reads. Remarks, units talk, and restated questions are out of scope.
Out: 12:02
